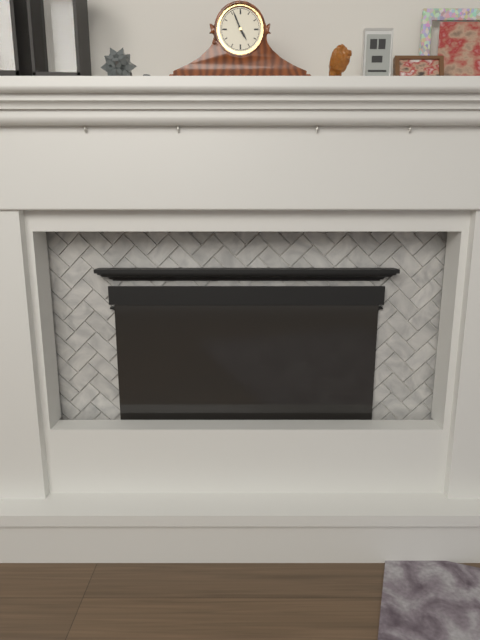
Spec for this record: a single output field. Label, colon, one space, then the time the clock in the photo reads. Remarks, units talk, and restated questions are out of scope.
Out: 4:56
